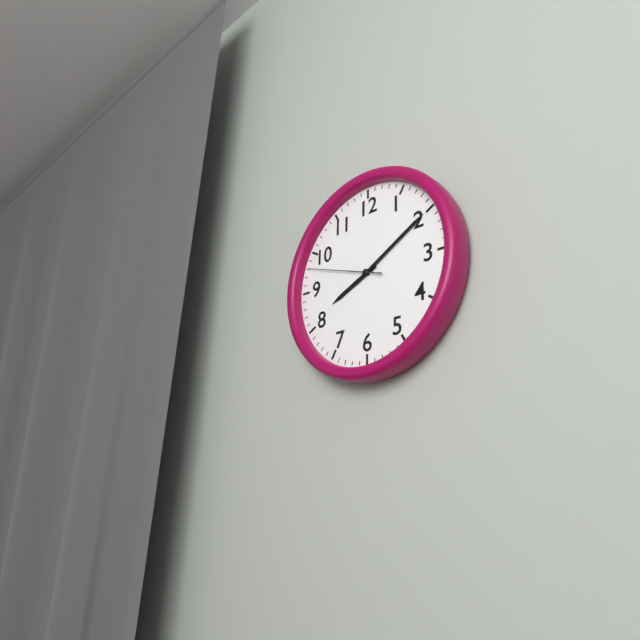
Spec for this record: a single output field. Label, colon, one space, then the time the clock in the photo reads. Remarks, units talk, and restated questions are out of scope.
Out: 8:10:48
